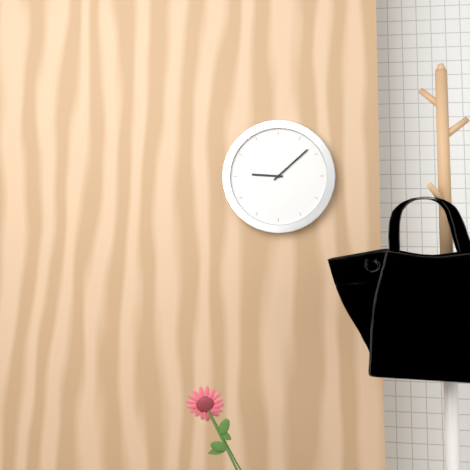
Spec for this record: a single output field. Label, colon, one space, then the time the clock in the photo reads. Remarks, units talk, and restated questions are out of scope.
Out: 9:08
